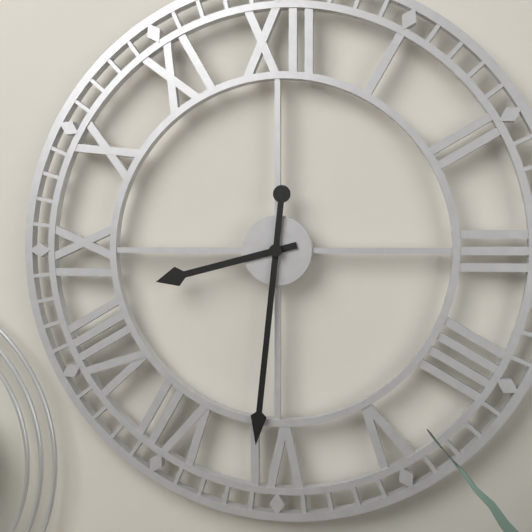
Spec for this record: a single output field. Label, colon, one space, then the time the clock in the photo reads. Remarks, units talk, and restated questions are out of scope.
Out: 8:31
